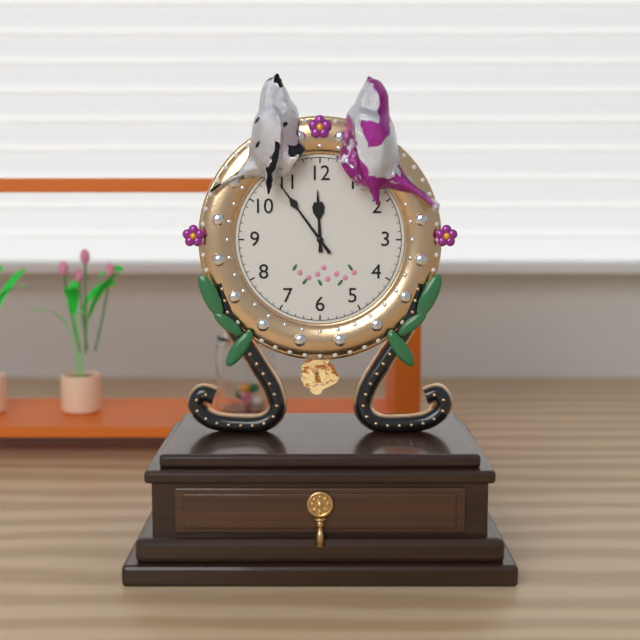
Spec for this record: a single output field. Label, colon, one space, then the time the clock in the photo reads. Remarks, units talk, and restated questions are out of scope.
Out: 11:54
